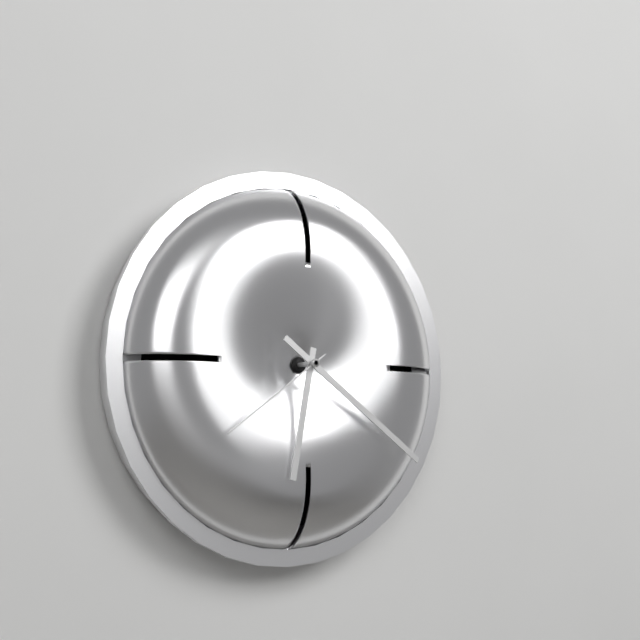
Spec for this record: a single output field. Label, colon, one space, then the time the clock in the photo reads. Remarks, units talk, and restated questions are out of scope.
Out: 6:21:39
